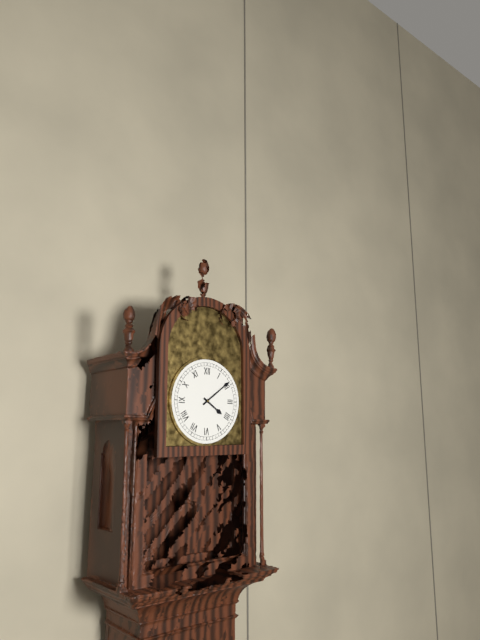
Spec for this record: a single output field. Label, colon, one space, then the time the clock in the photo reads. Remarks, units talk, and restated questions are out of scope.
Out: 4:09
